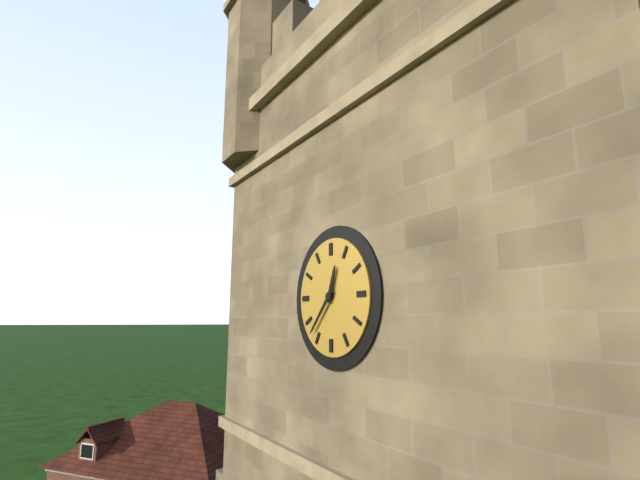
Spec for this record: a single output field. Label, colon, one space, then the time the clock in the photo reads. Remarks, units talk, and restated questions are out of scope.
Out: 12:37
